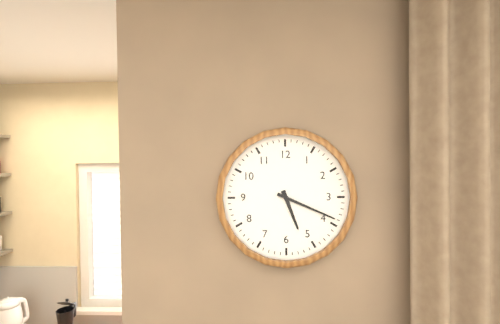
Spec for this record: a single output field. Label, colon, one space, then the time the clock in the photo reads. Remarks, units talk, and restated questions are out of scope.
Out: 5:19
